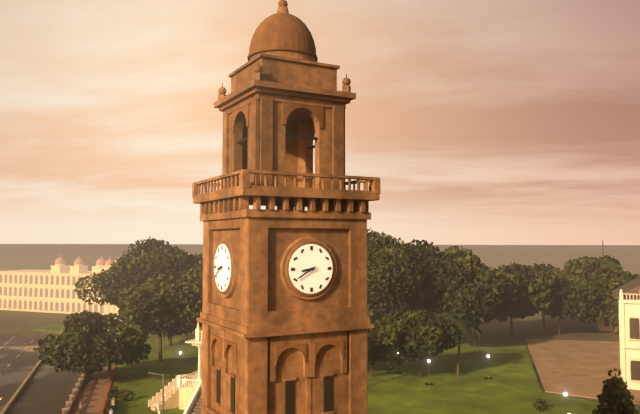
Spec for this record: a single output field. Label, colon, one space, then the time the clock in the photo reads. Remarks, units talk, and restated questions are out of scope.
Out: 8:40
